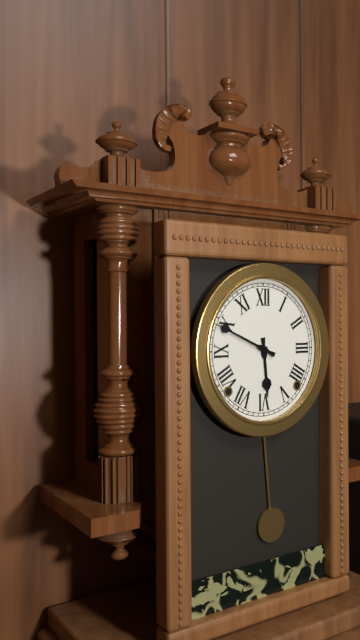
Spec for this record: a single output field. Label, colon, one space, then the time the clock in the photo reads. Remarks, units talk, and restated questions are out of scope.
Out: 5:49
